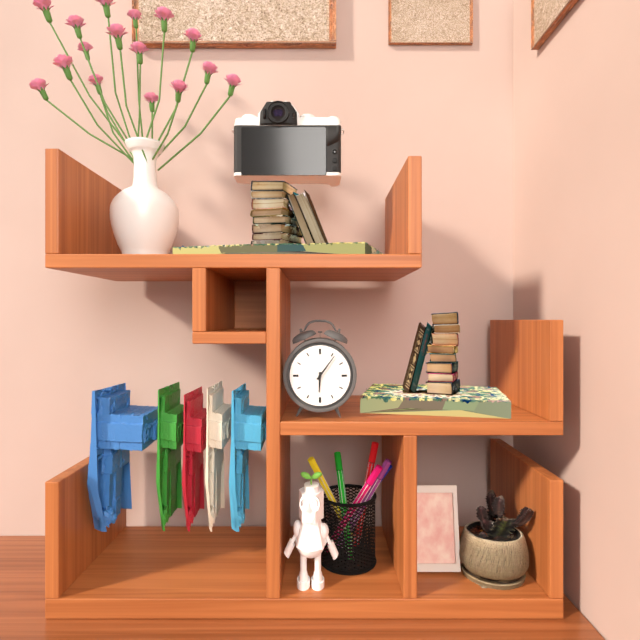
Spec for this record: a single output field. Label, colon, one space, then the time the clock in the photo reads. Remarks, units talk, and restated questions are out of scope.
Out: 6:06
